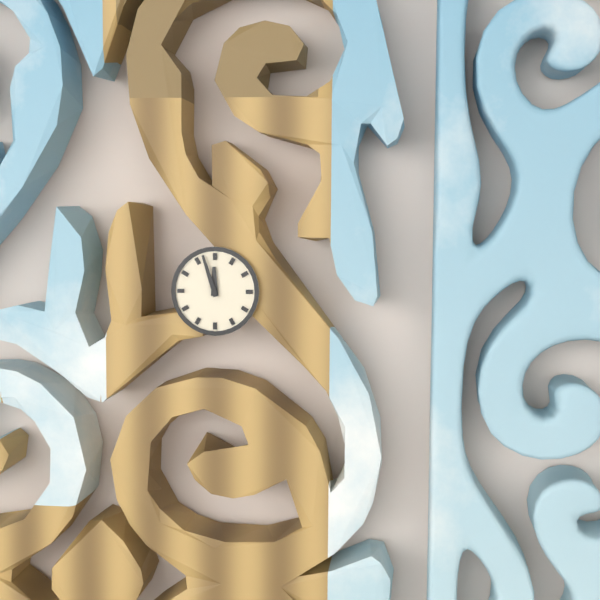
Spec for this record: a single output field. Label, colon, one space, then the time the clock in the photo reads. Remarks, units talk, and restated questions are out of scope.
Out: 11:57
